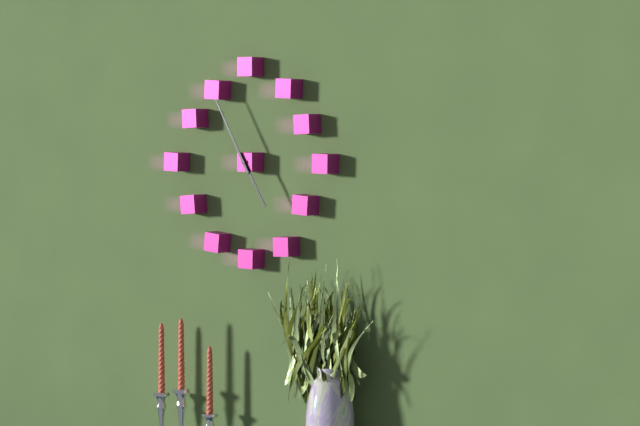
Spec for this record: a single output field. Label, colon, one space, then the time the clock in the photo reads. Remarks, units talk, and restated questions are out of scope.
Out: 4:55
